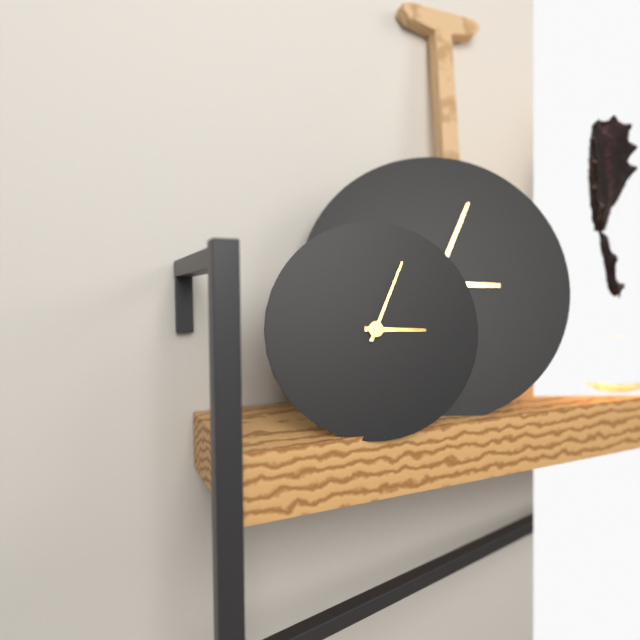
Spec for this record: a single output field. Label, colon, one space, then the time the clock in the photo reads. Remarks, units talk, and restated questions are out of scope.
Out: 3:04
